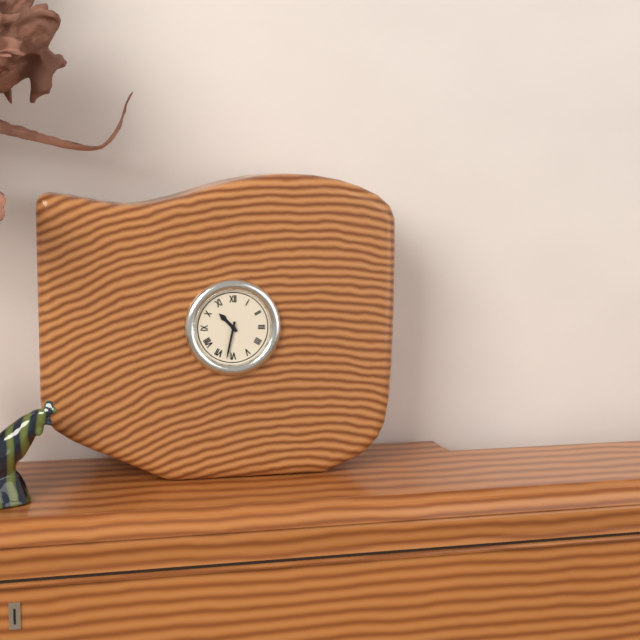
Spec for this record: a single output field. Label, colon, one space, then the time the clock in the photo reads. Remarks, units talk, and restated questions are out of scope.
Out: 10:32
